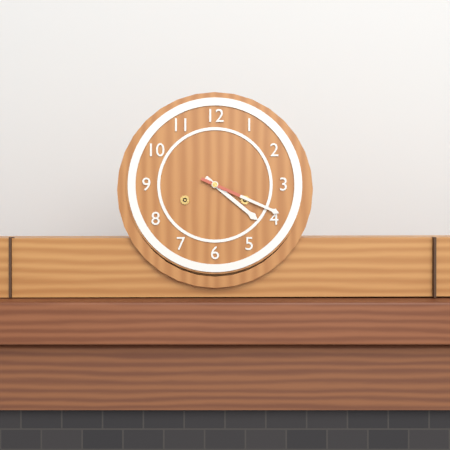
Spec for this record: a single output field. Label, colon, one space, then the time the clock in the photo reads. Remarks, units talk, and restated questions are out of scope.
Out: 4:19
